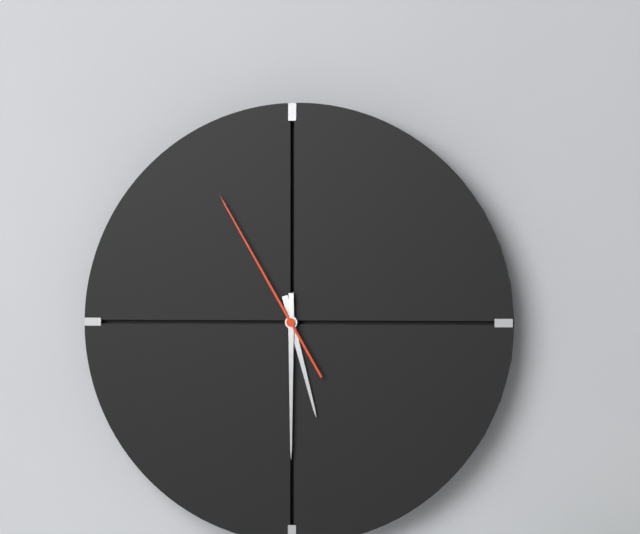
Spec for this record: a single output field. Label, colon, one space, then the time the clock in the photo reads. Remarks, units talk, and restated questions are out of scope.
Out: 5:30:55
